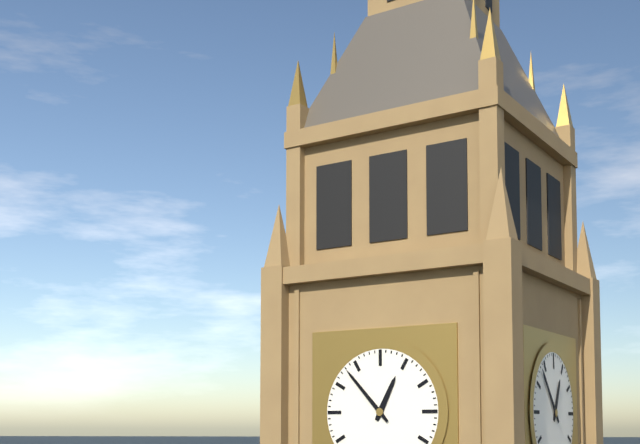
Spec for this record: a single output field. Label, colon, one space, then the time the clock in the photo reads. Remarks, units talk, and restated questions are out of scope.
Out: 12:53
